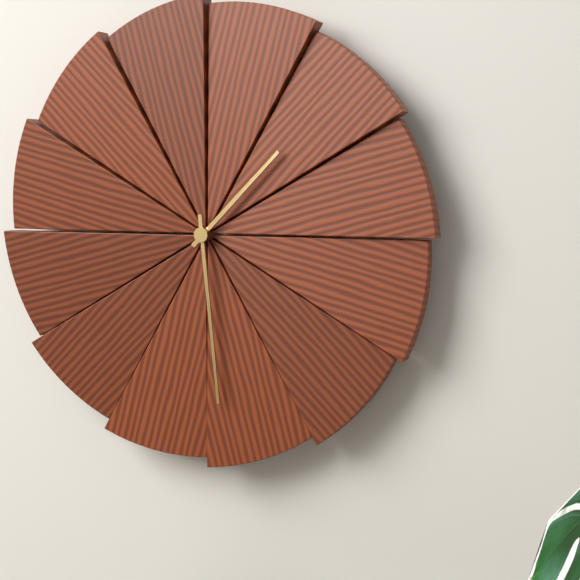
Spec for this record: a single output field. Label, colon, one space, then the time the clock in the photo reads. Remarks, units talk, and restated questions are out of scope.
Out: 1:29
